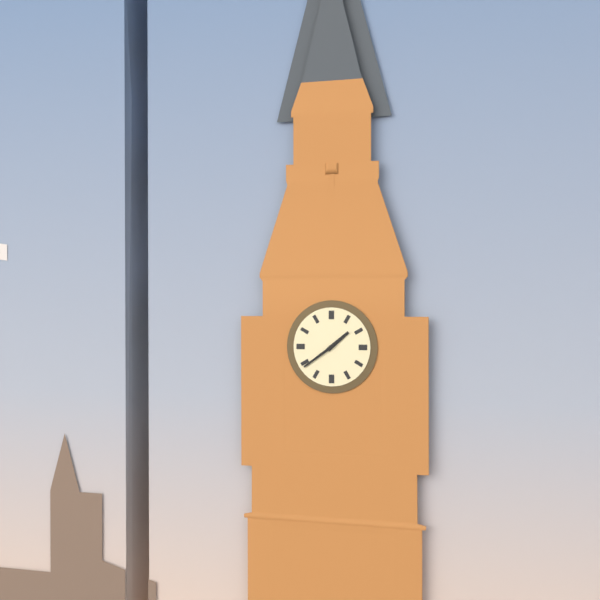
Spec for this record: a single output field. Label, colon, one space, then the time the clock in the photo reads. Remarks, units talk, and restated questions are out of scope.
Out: 1:39
